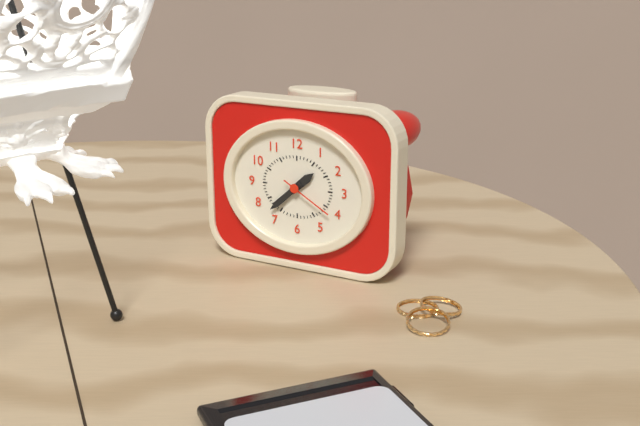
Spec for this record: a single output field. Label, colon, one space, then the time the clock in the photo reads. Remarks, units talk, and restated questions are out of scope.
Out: 1:38:20
